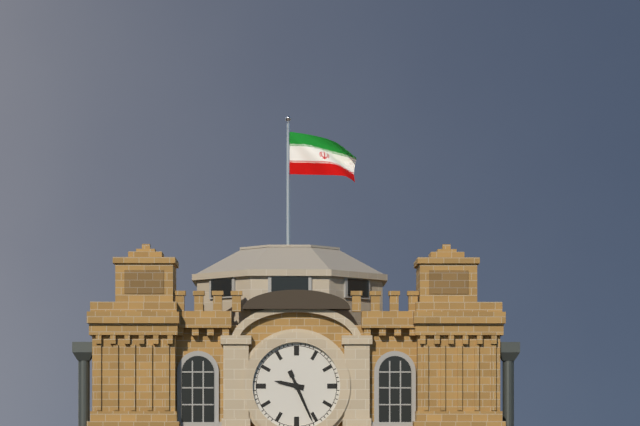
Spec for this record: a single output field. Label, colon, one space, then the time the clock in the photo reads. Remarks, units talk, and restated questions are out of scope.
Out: 9:26
